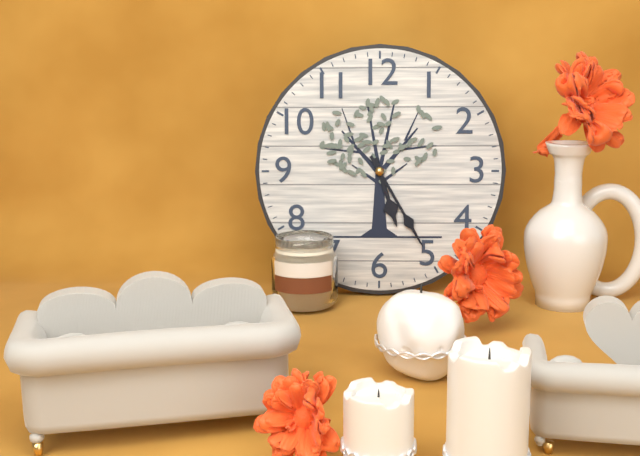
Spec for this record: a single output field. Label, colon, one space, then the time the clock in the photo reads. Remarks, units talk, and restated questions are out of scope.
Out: 5:25
